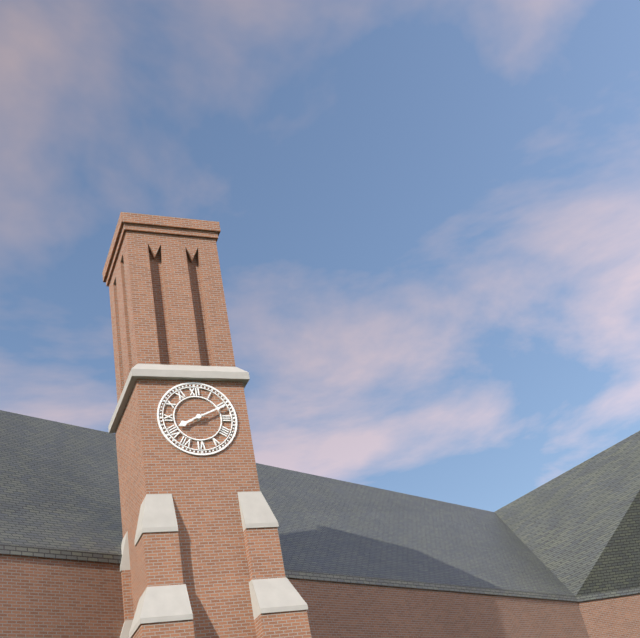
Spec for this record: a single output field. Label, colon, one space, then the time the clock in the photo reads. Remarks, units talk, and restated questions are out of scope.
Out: 8:11
